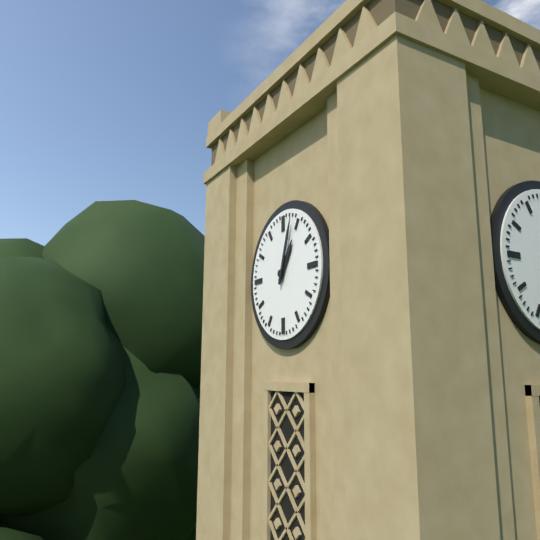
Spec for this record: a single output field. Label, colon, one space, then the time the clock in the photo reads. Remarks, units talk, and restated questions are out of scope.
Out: 1:03
